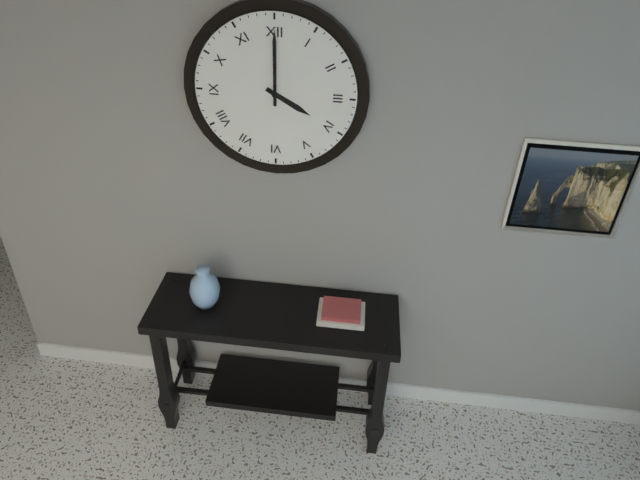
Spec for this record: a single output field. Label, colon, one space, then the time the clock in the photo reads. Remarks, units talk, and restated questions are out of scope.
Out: 4:00
